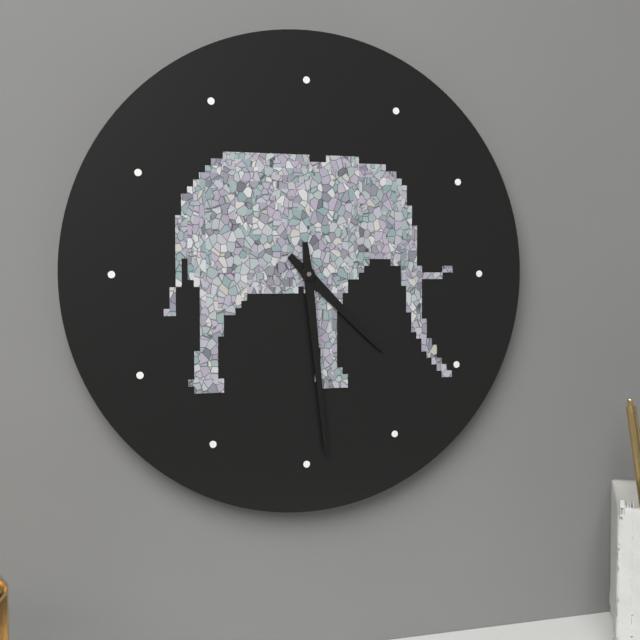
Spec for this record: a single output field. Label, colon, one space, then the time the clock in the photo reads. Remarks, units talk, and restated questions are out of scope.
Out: 4:29
